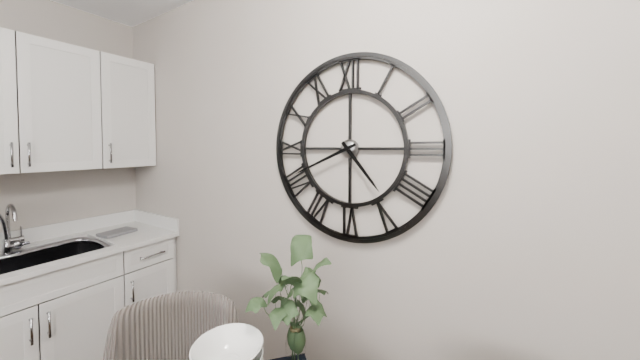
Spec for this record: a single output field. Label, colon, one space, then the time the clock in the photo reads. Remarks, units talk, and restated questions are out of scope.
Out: 4:41
